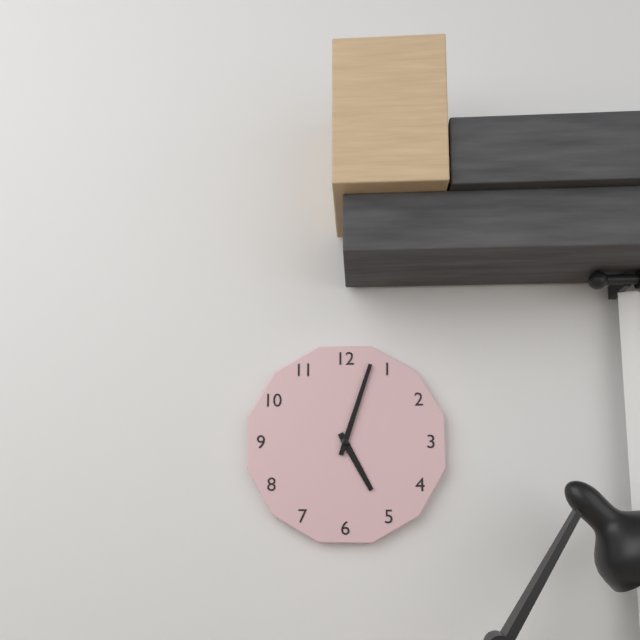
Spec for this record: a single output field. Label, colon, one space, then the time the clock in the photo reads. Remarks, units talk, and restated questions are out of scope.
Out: 5:03
